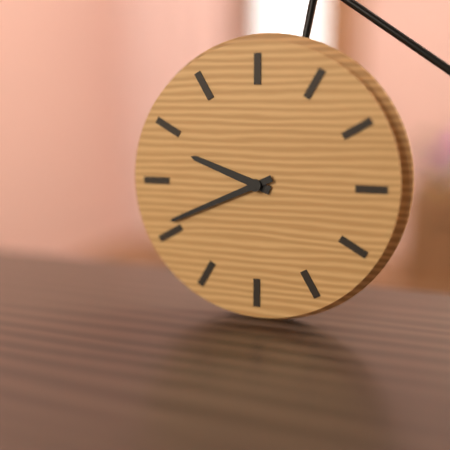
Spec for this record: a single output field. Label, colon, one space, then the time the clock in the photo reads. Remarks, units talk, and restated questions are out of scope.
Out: 9:41
